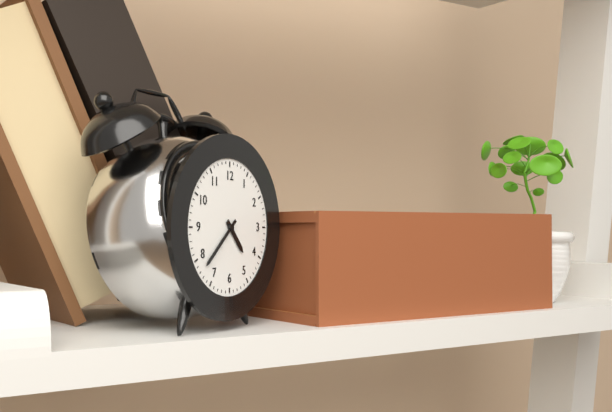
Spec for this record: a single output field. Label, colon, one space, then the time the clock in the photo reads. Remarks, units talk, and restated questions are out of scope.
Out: 4:38
